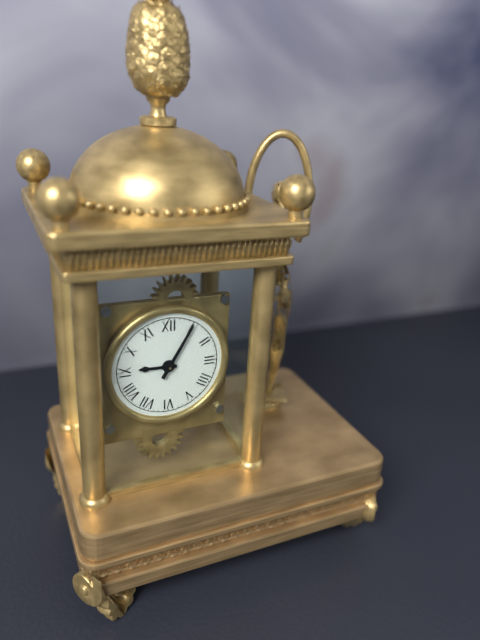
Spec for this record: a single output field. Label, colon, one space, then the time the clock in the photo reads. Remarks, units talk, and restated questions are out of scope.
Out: 9:05
